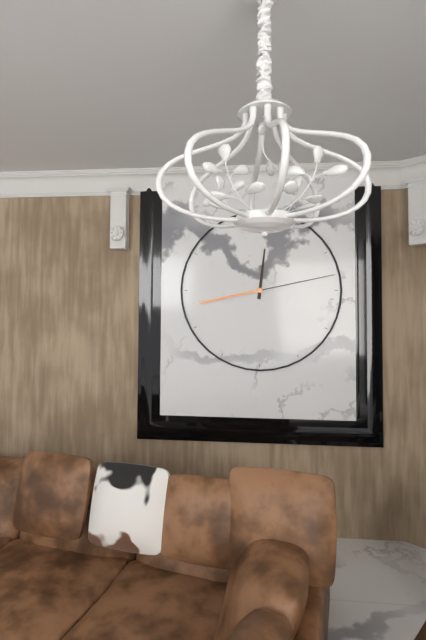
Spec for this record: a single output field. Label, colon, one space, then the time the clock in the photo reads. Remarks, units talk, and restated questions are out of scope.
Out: 12:13
